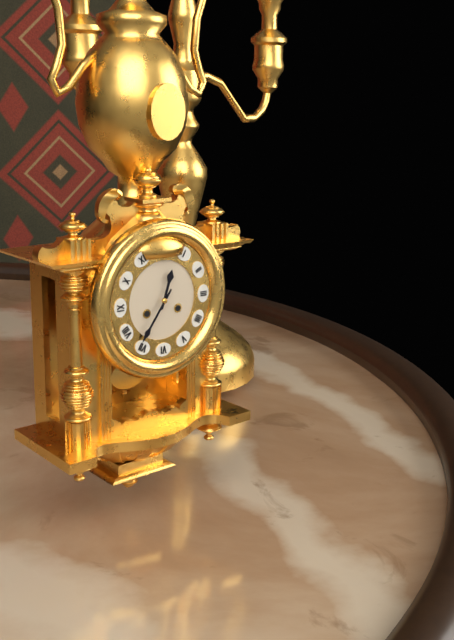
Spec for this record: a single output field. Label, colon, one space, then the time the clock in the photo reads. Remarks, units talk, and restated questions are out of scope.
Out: 12:36
